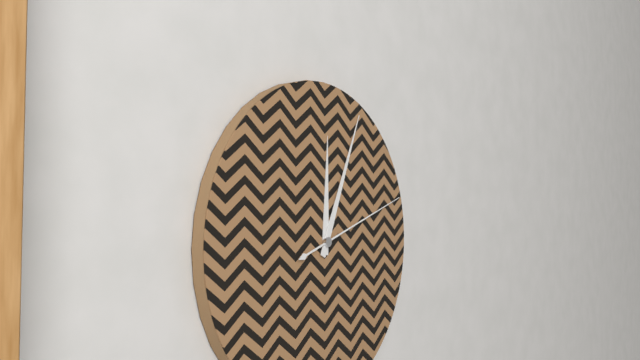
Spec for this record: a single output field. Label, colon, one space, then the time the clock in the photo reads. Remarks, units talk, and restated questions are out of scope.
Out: 12:04:12
